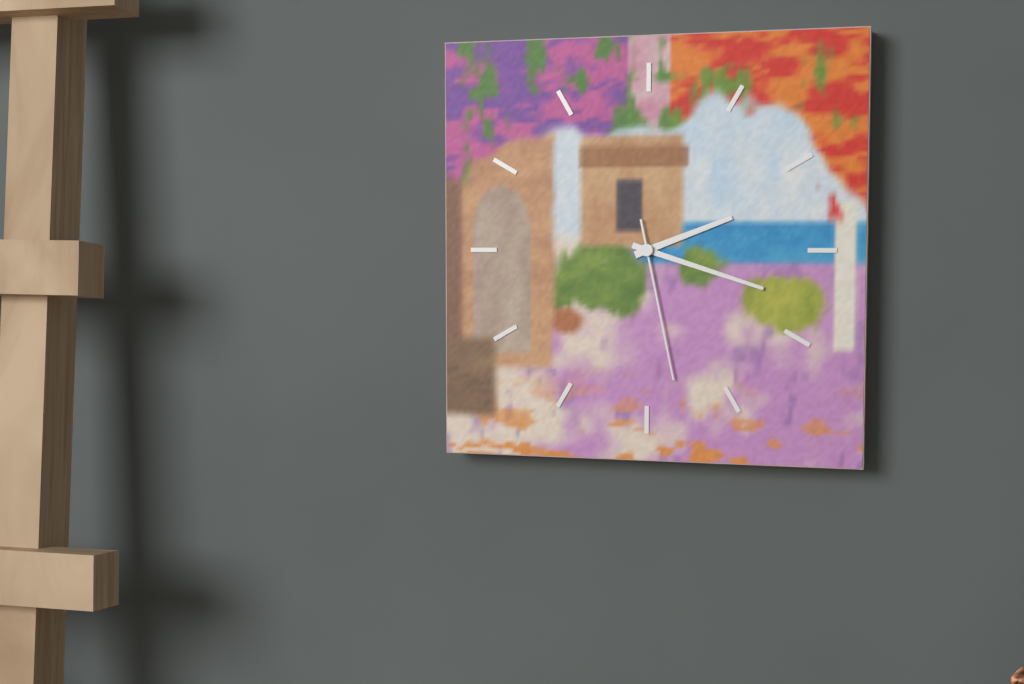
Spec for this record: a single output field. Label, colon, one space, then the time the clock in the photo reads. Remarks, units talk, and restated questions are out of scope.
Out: 2:18:28
